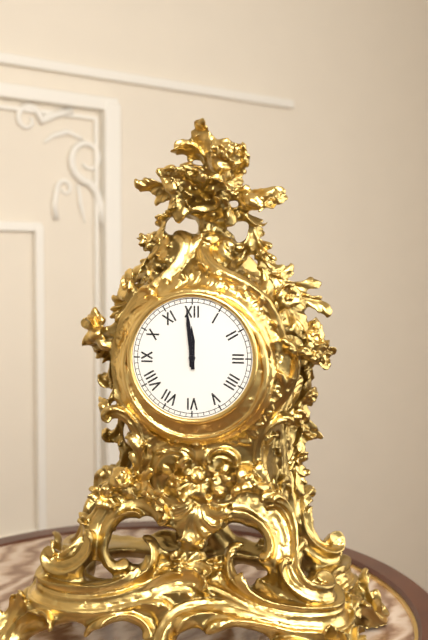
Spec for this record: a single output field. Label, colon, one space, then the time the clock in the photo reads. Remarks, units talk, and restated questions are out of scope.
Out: 11:59
